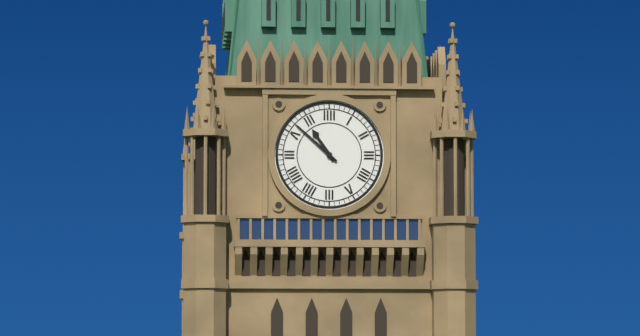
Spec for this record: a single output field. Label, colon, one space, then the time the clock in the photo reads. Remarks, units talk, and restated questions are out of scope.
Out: 10:52
